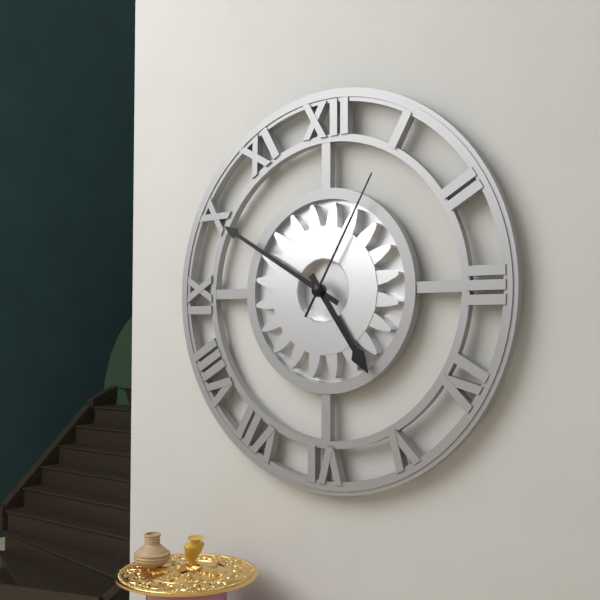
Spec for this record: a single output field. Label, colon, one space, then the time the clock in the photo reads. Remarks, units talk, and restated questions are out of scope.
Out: 4:50:05
